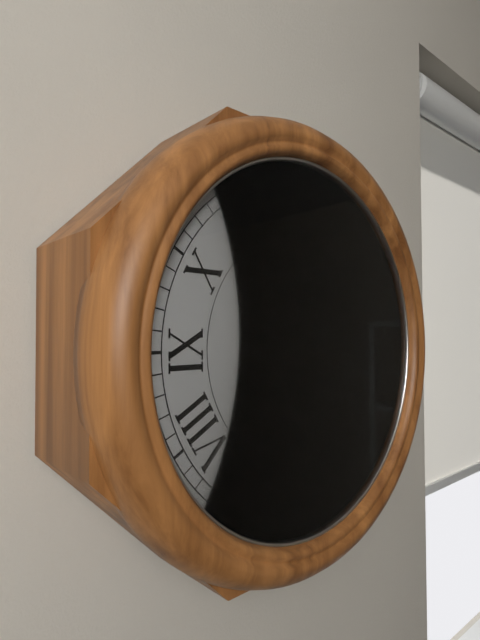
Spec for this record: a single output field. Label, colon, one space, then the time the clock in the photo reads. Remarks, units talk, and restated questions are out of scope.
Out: 4:35
